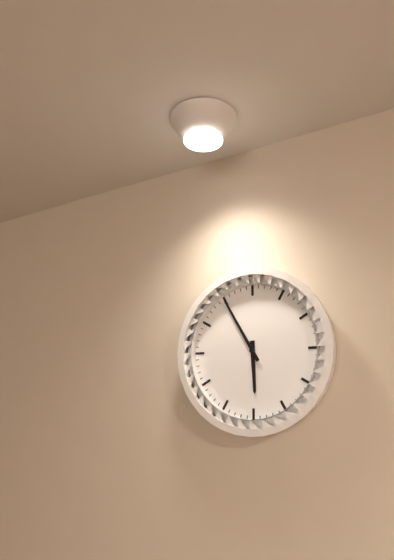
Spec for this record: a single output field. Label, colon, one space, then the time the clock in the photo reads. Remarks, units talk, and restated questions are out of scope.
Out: 5:55
